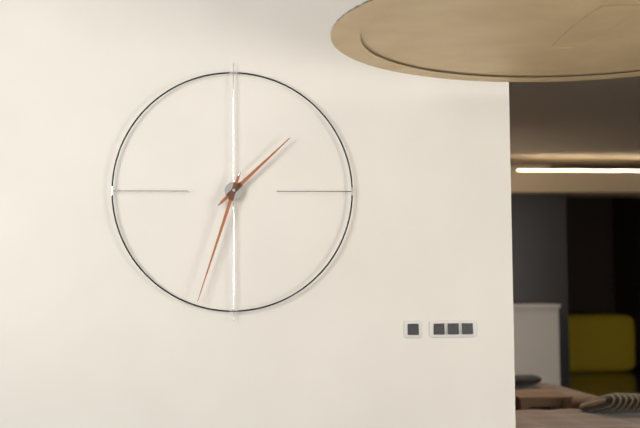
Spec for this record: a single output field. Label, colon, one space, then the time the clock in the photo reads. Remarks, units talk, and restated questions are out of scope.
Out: 1:33
